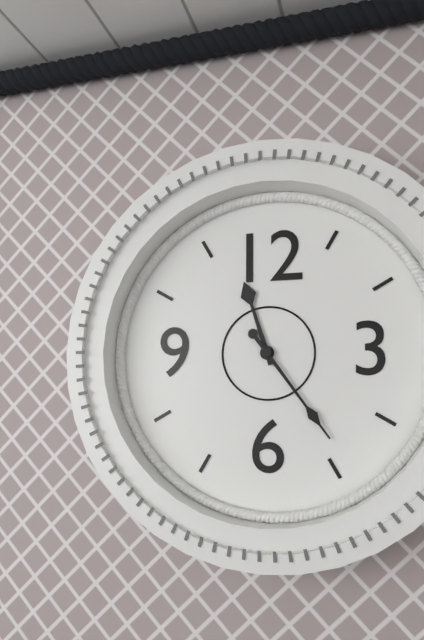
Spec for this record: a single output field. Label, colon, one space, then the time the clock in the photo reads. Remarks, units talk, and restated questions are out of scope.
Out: 11:24
